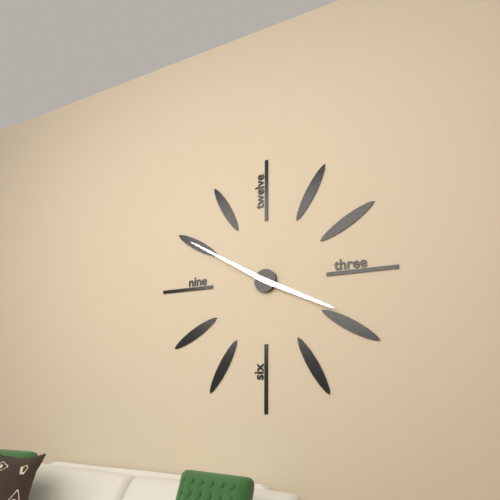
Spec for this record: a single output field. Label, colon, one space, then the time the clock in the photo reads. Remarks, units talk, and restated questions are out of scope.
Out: 3:50
